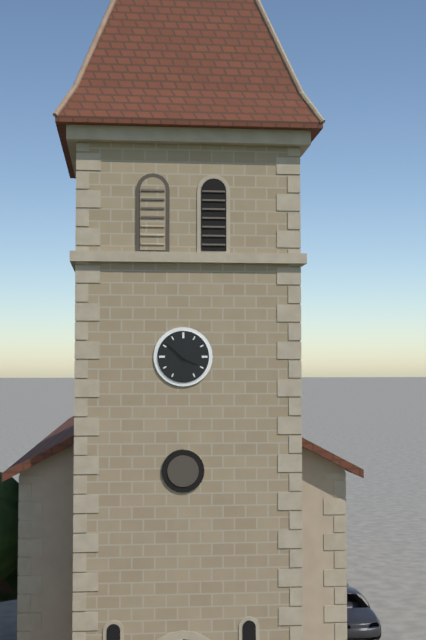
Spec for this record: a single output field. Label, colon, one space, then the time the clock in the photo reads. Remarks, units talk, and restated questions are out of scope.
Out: 3:52
